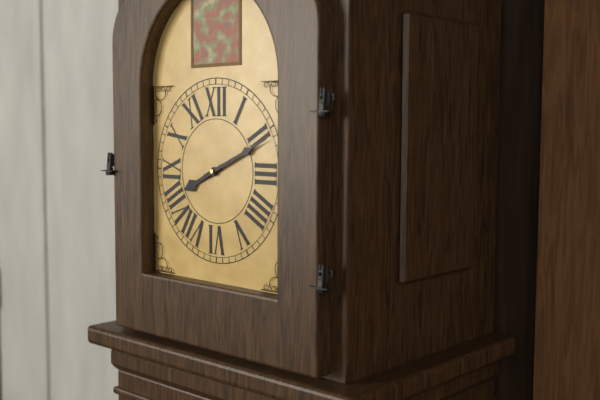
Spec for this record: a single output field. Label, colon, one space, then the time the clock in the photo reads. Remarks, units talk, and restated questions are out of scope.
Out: 8:11
